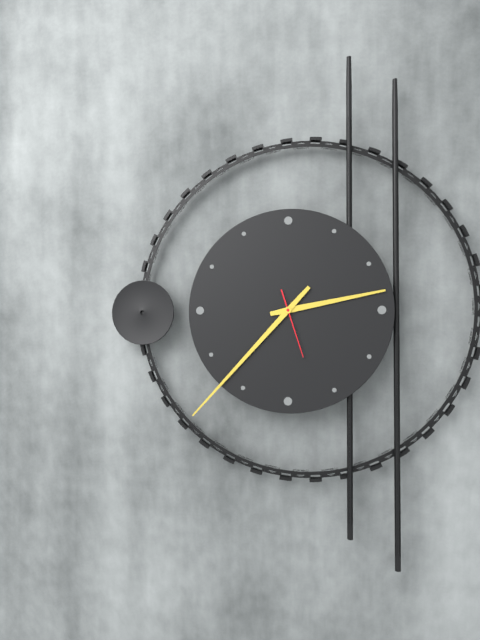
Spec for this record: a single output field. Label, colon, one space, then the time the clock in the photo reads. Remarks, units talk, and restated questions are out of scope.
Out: 2:37:27
